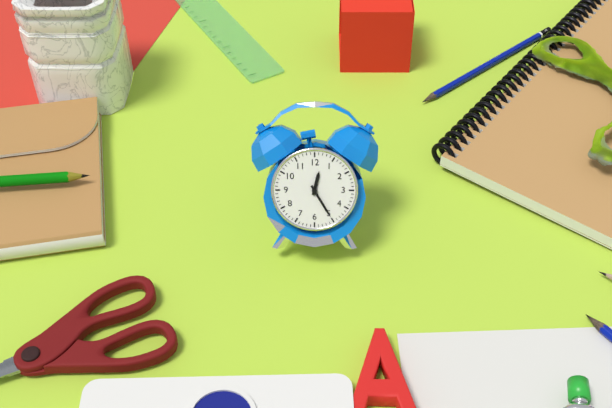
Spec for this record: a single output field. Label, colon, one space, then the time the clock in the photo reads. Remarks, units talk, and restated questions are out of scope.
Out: 12:25
